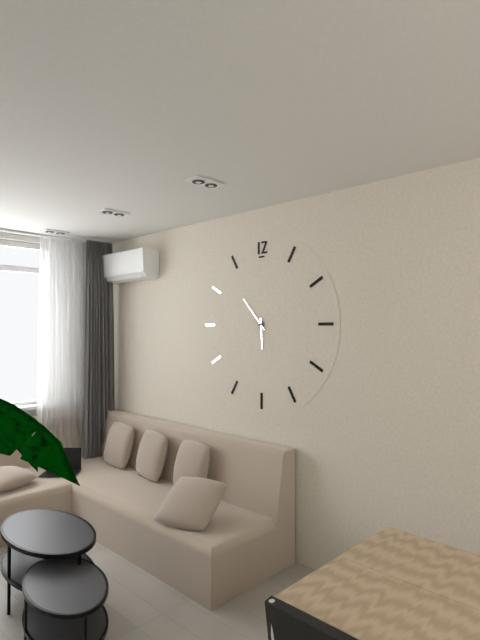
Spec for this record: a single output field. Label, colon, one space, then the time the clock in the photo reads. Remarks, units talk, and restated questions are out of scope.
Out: 5:53
